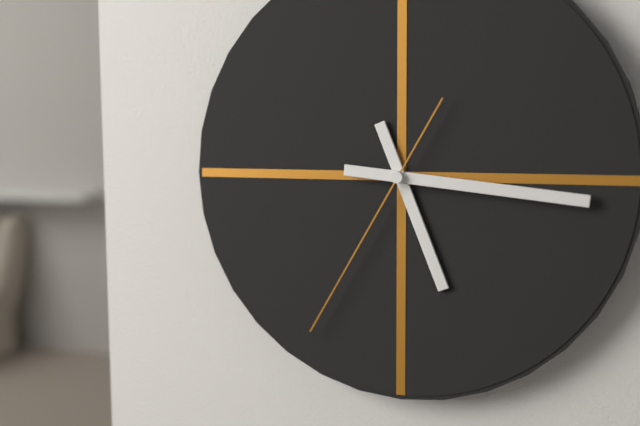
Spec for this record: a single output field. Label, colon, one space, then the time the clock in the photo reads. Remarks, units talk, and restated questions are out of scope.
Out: 5:16:35
